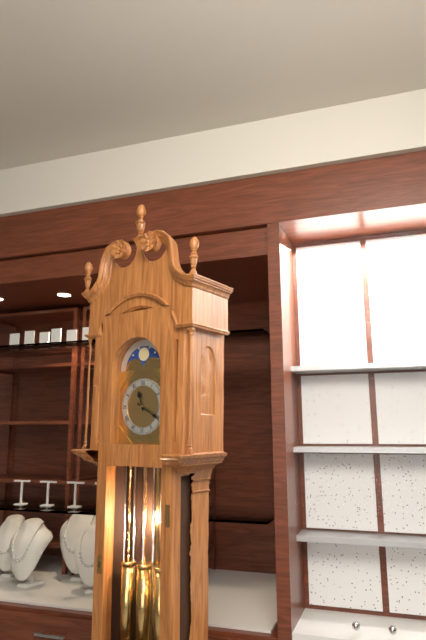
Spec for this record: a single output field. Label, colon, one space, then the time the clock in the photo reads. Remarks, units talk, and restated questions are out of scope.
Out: 11:20
